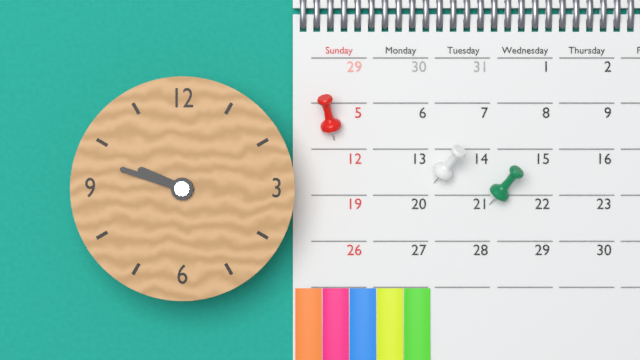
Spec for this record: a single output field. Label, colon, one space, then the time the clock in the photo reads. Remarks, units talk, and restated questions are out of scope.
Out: 9:48
